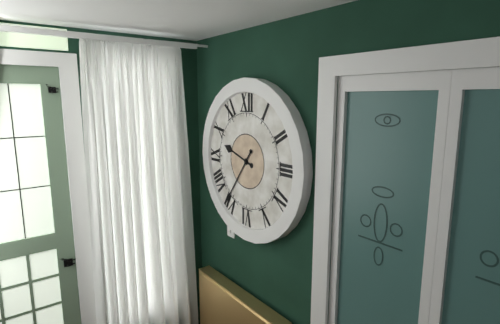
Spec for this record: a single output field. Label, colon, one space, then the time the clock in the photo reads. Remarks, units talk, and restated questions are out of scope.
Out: 9:36
